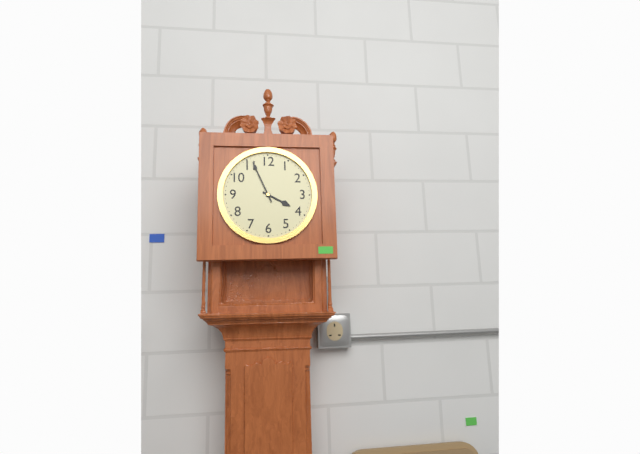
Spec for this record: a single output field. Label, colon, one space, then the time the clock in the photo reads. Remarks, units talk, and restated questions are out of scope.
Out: 3:56
